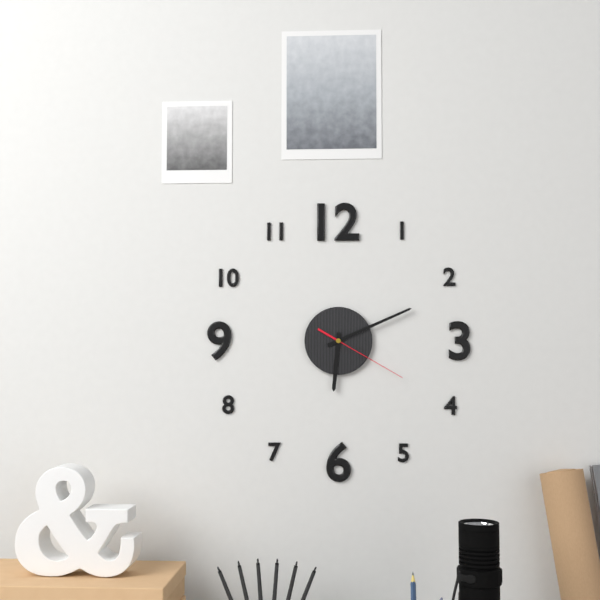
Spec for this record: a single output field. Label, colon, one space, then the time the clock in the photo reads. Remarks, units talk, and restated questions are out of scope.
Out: 6:11:20
